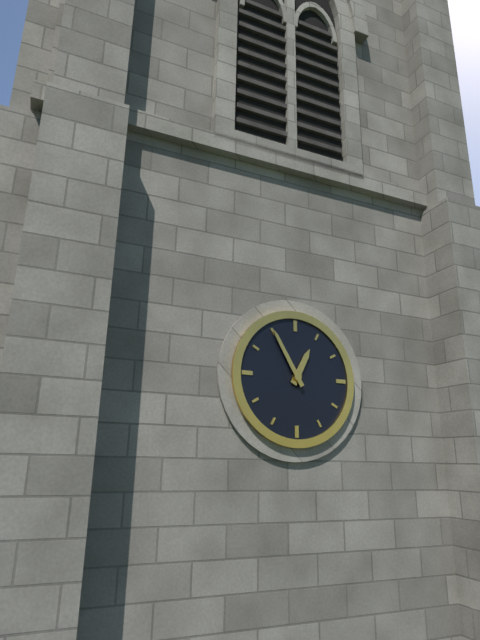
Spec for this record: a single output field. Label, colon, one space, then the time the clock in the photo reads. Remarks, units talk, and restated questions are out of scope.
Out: 12:55
